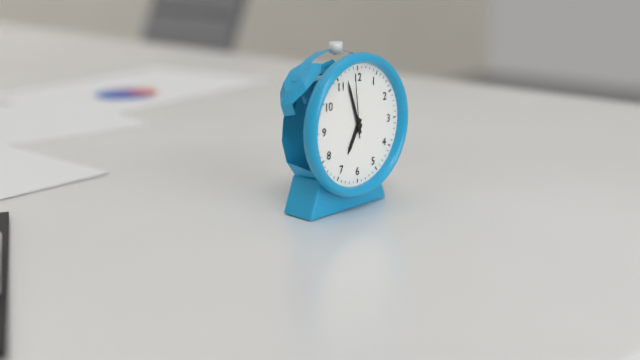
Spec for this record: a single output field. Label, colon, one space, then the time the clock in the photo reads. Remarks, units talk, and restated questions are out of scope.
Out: 6:57:59
